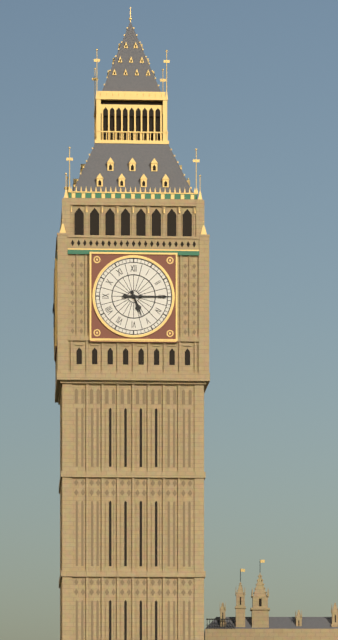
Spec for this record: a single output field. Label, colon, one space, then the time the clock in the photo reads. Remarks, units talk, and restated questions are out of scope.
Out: 5:15
